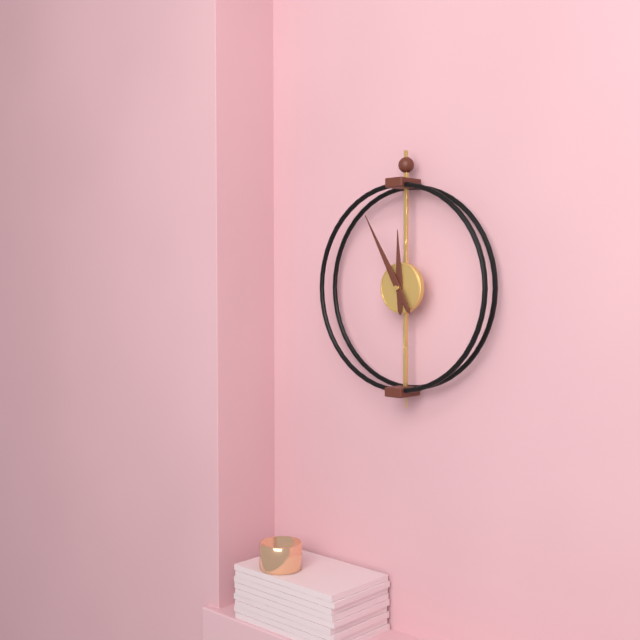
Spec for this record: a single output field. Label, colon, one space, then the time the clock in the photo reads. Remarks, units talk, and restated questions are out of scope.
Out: 11:55
